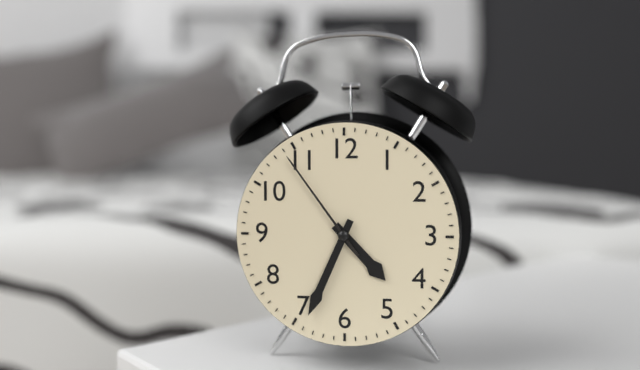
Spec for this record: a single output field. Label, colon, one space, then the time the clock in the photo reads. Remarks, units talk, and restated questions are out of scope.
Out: 4:34:54
